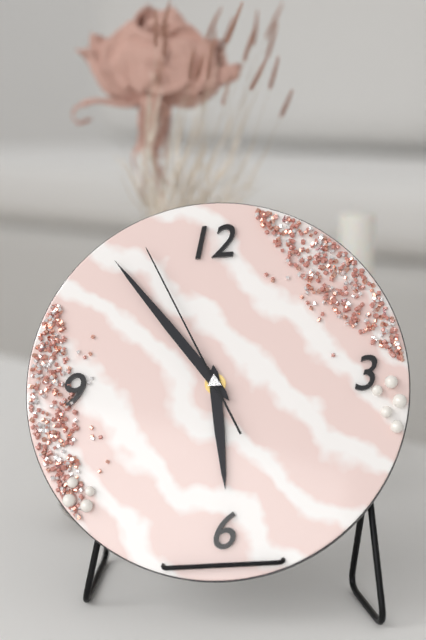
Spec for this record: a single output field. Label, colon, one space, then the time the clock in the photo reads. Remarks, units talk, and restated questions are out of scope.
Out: 5:54:56
